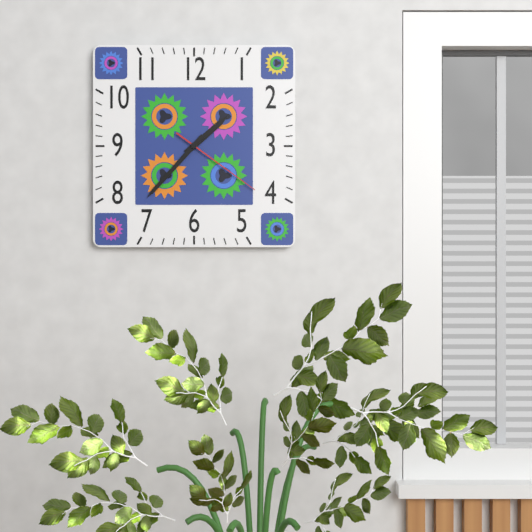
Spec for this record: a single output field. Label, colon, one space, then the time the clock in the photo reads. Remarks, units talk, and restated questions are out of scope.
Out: 1:37:21
